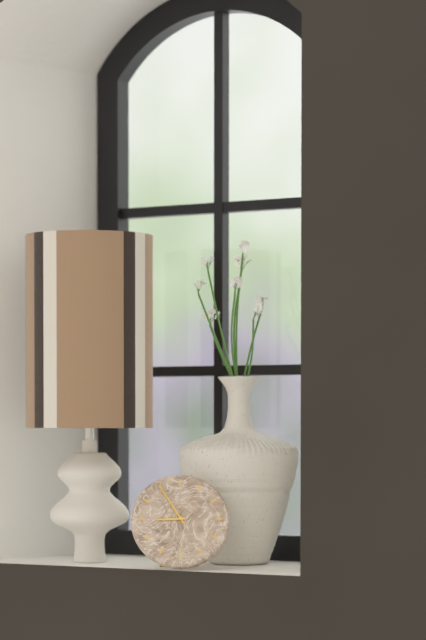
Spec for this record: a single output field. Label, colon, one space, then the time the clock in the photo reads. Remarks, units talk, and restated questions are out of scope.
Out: 8:55
